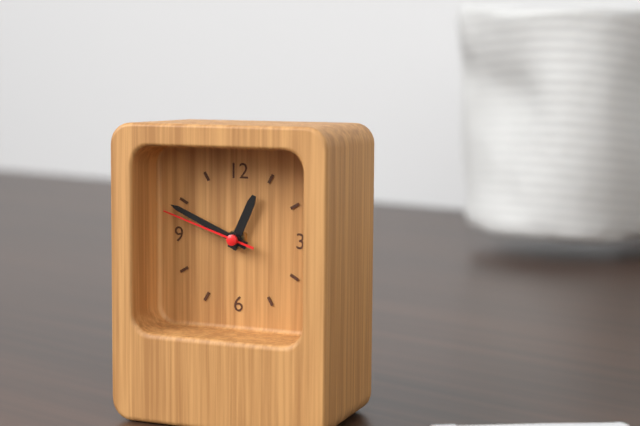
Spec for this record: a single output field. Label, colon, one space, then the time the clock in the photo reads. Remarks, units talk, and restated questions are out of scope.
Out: 12:49:48
